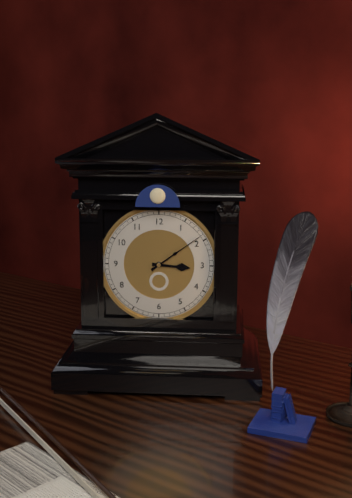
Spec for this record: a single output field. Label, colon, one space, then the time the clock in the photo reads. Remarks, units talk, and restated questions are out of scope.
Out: 3:09
